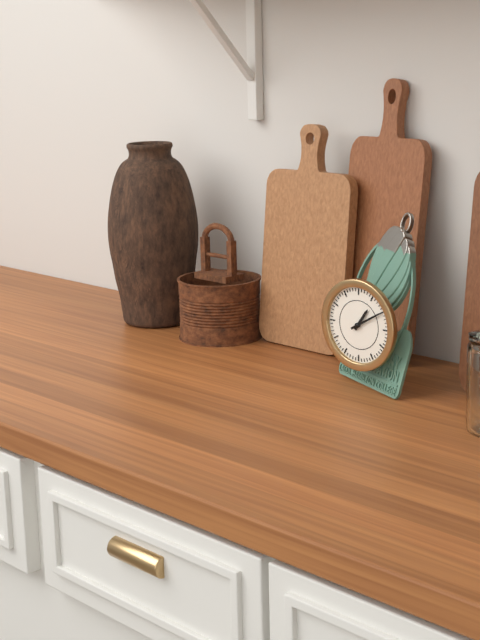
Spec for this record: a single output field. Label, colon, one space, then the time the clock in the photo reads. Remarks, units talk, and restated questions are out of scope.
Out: 1:10
